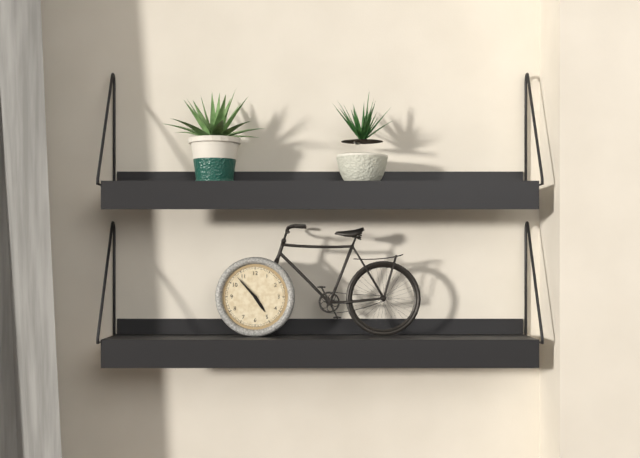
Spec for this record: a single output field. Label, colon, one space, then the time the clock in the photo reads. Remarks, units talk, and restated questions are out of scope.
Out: 4:53
